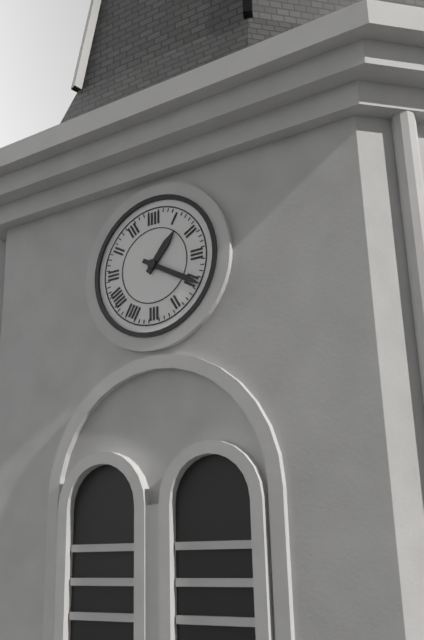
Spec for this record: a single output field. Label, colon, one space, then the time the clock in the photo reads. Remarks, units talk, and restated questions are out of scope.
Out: 1:20
